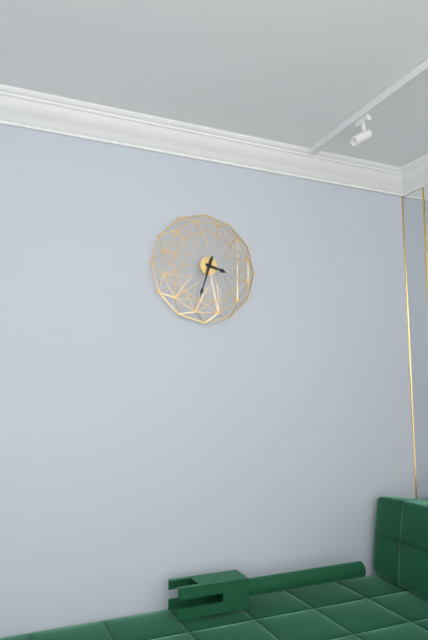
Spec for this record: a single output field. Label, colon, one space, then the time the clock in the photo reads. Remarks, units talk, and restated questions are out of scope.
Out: 3:33
